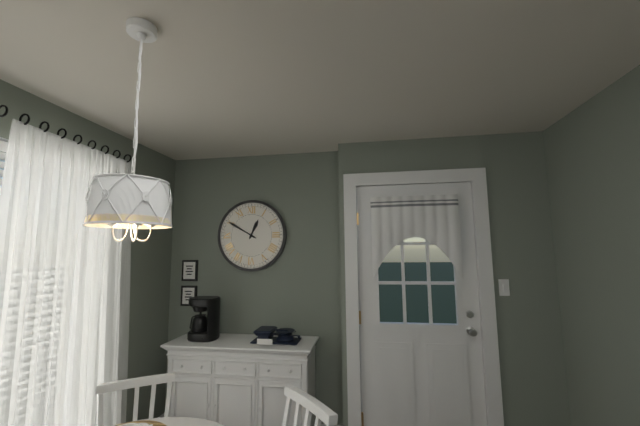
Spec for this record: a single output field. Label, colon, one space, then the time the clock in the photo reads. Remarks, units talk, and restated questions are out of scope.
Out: 12:50
